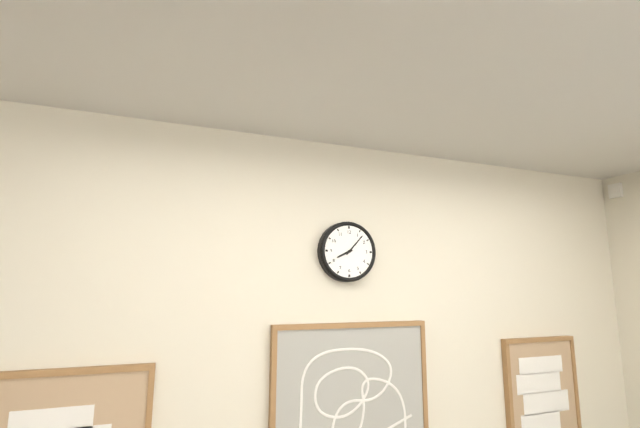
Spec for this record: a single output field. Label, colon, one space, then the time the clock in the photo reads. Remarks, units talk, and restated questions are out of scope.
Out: 8:07
